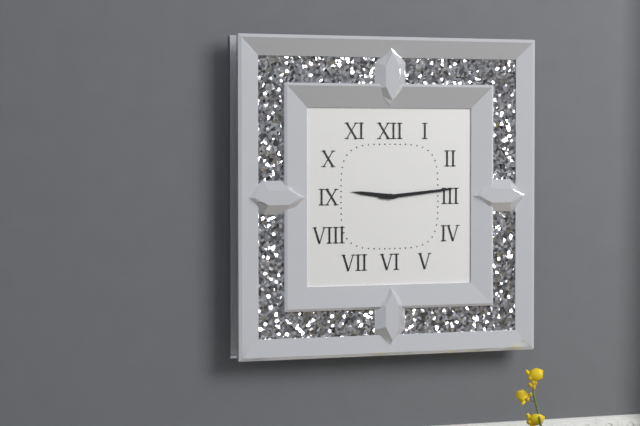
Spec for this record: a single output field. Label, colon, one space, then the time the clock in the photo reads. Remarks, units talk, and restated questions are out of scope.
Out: 9:14
